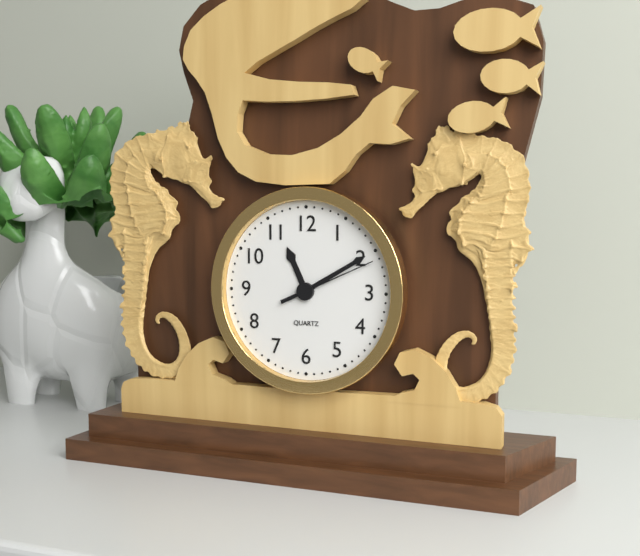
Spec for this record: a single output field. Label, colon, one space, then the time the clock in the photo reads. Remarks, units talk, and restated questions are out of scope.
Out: 11:10:11
